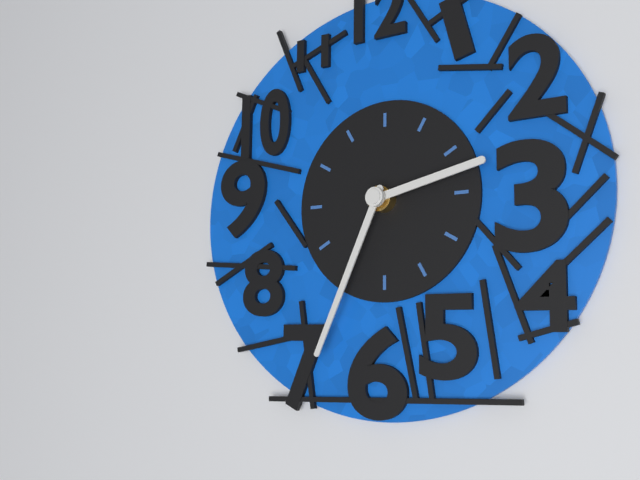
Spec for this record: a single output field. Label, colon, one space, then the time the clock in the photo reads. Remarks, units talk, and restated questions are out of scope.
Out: 2:34
